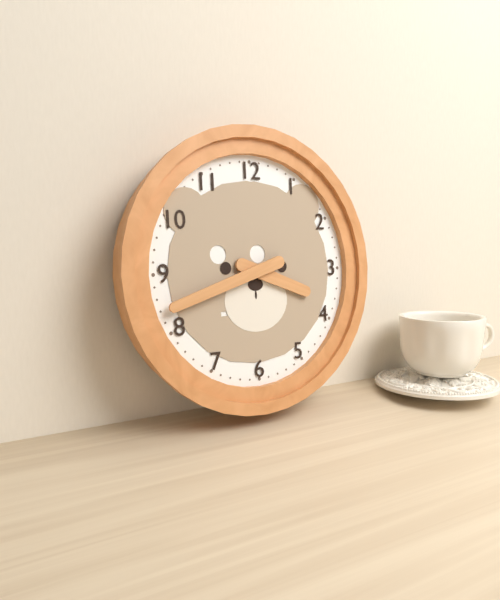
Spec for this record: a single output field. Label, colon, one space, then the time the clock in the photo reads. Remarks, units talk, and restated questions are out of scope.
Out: 3:42
